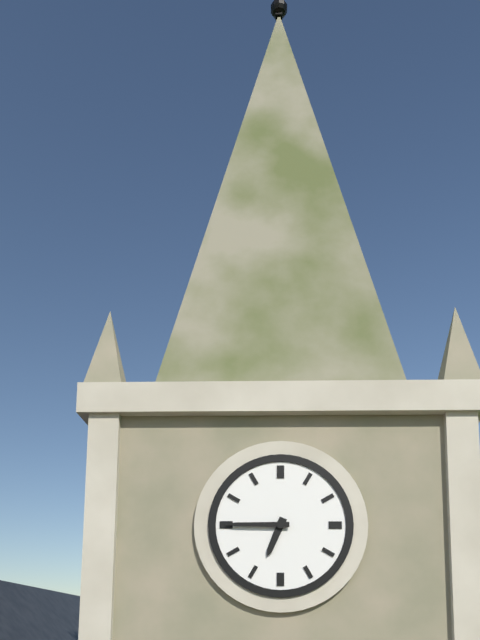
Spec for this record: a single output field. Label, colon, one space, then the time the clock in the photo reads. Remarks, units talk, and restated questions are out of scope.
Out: 6:45
